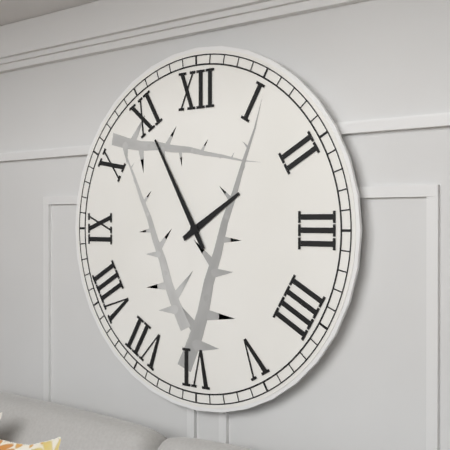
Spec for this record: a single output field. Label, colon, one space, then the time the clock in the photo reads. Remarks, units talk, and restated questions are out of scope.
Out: 1:55
